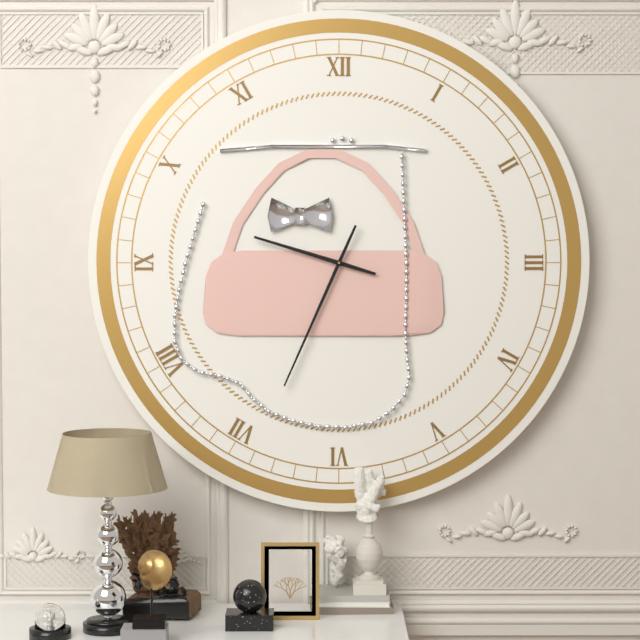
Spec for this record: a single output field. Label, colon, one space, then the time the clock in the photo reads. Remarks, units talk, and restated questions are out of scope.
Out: 9:34
